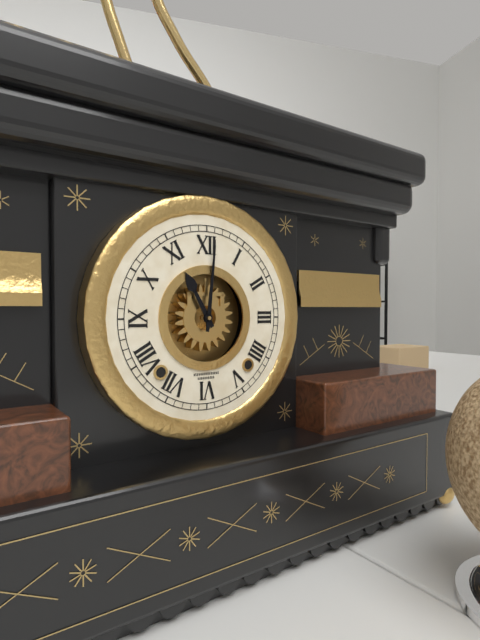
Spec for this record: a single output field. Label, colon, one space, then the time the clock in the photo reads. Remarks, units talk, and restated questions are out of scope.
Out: 11:01
